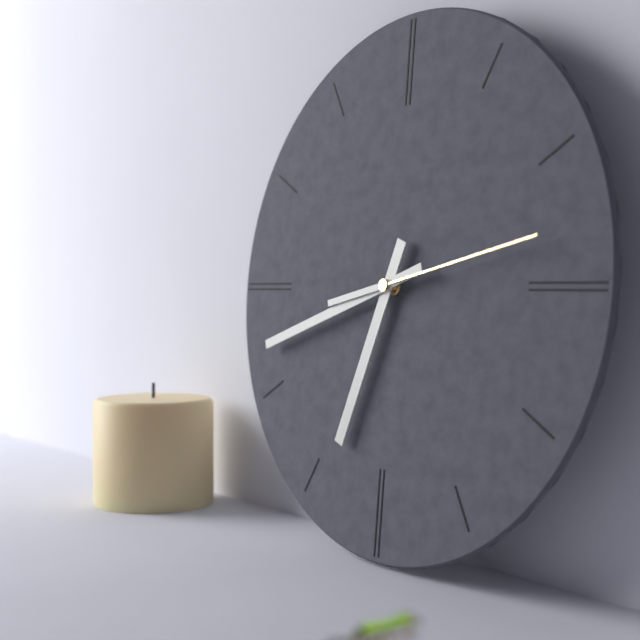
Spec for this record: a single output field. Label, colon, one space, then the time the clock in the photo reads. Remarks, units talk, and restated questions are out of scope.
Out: 6:42:13
